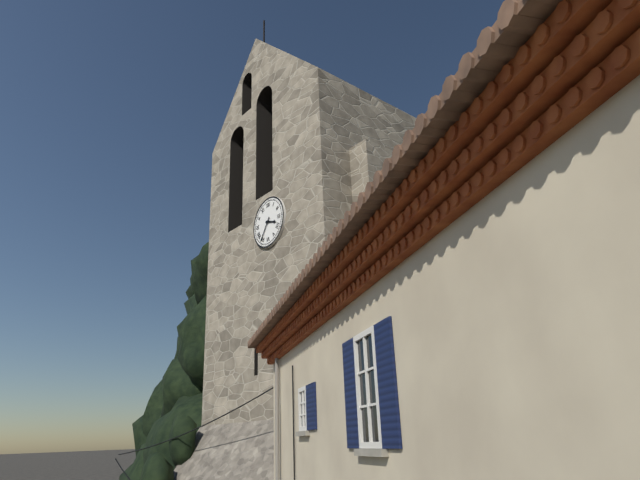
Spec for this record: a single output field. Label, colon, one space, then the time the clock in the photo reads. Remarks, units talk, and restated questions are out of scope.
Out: 3:36
